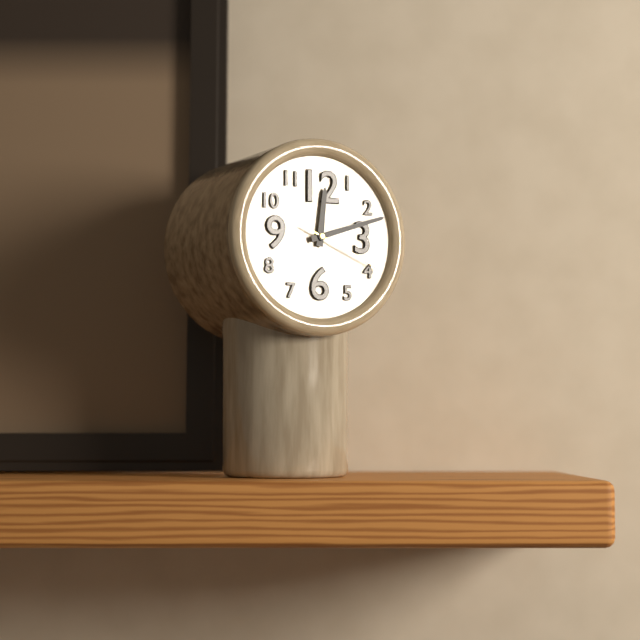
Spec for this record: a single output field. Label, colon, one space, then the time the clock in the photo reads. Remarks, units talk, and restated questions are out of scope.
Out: 12:12:19
